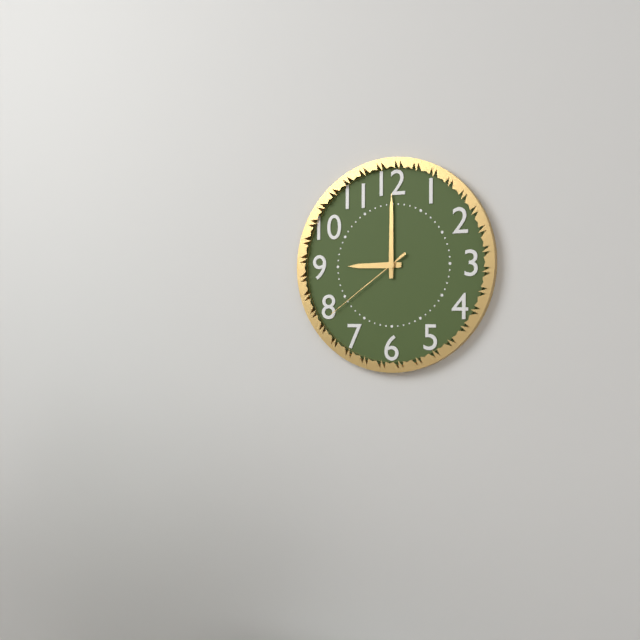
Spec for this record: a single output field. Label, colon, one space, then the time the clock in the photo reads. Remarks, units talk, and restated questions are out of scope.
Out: 9:00:39
